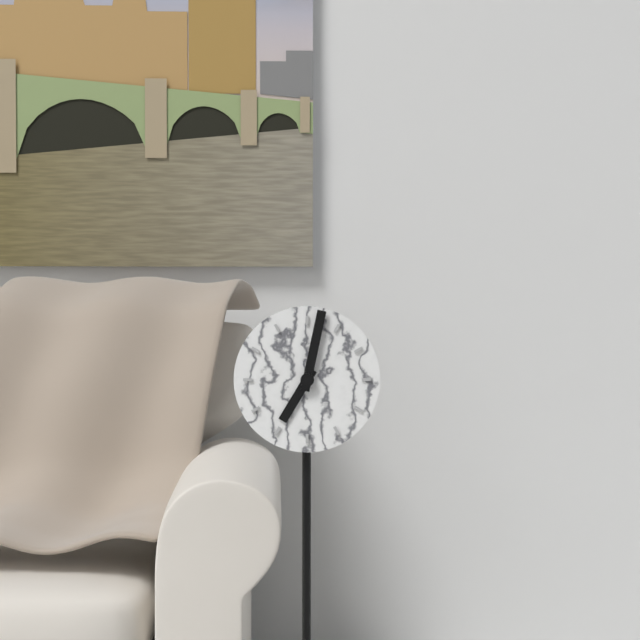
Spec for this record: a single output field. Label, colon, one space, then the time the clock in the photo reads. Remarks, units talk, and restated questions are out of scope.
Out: 7:02
